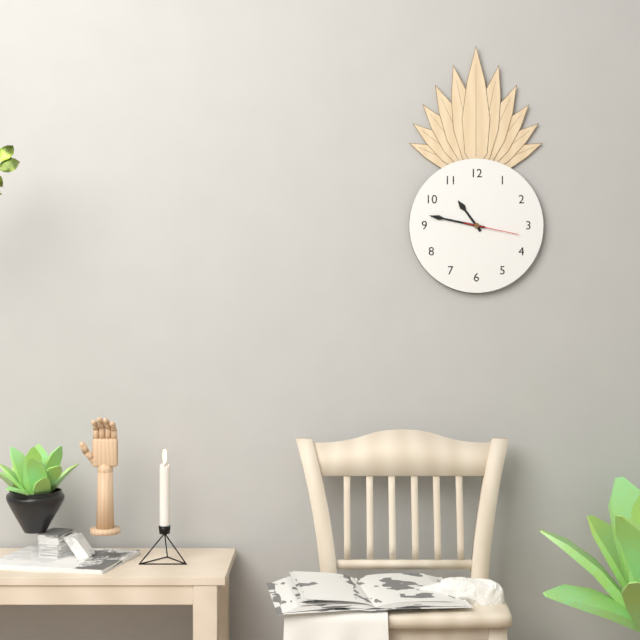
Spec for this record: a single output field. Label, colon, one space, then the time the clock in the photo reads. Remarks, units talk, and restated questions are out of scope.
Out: 10:47:17
